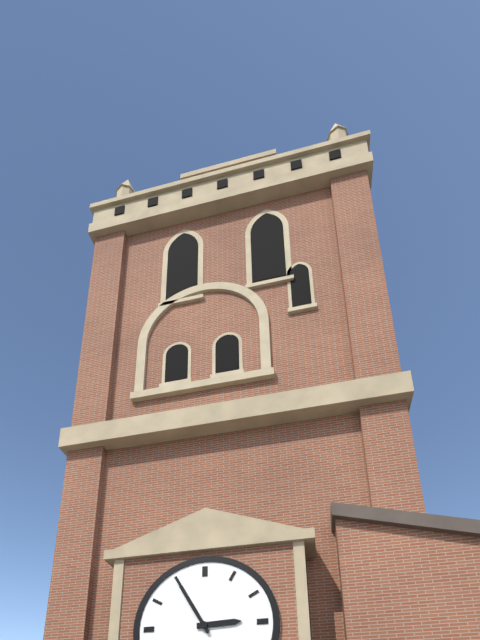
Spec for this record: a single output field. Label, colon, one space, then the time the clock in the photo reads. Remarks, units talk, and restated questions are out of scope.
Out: 2:55
